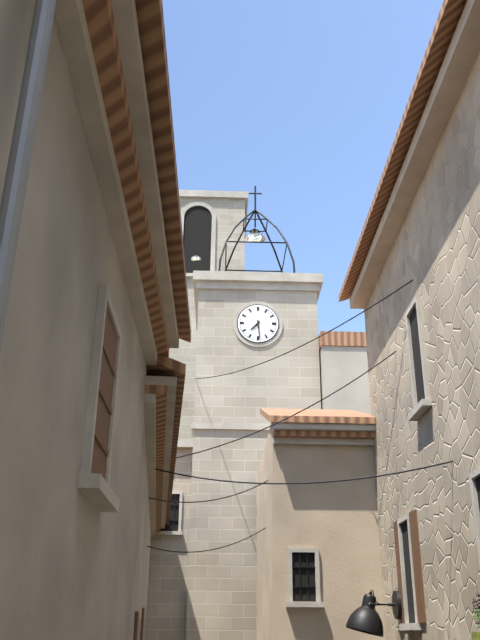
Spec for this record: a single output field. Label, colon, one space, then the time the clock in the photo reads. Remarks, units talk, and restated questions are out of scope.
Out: 7:29
